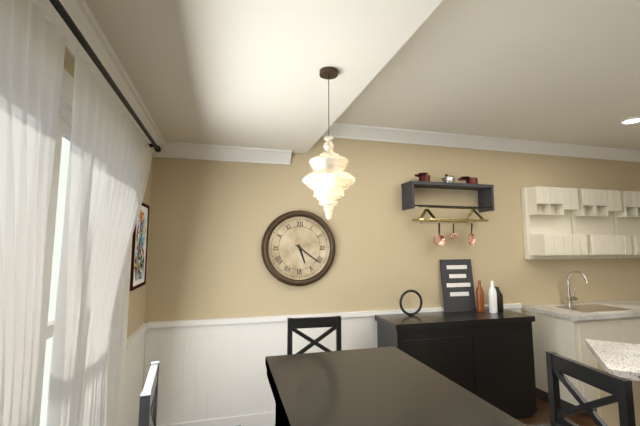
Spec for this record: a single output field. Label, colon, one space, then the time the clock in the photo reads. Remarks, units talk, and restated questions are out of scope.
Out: 5:21
